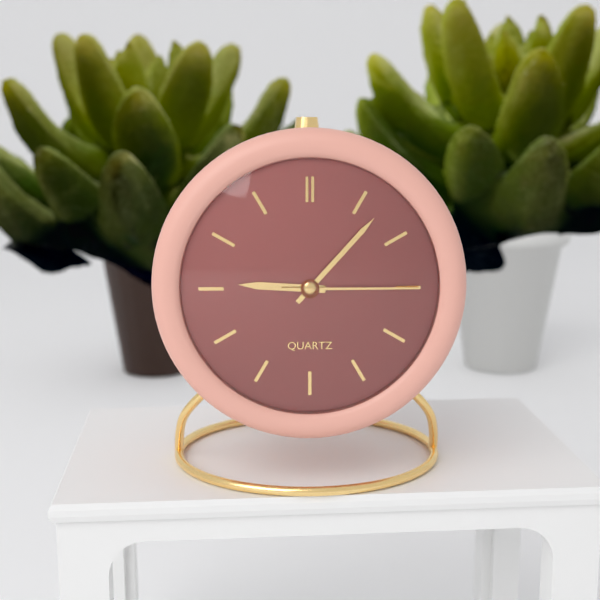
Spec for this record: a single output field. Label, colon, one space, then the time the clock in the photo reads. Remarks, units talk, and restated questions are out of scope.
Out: 9:07:15
